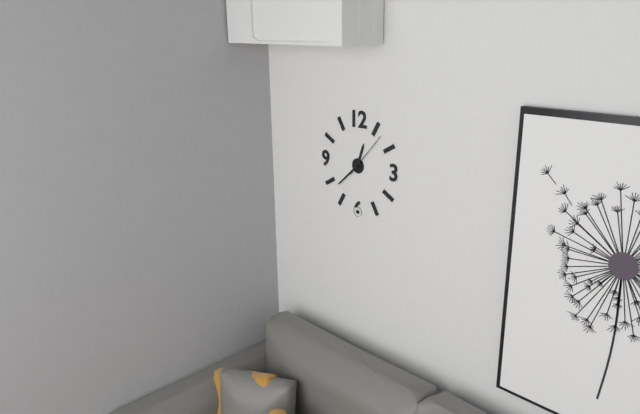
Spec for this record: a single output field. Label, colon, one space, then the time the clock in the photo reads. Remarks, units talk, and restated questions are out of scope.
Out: 12:38
